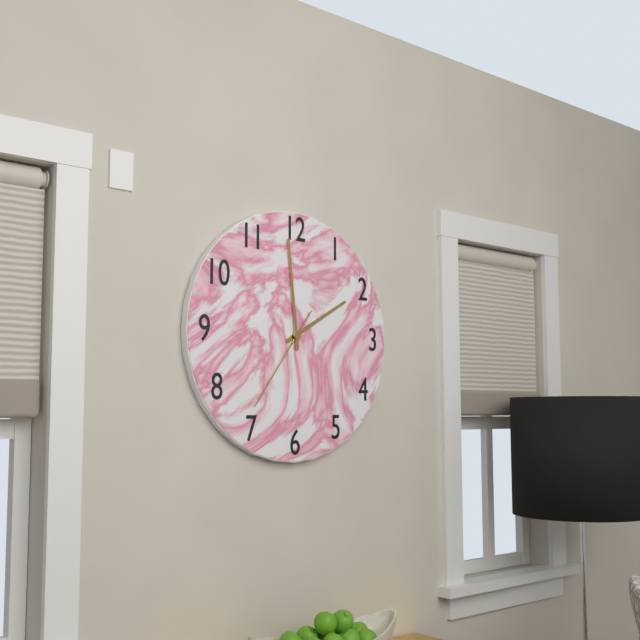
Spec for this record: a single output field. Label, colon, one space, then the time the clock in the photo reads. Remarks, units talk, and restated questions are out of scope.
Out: 1:59:36
